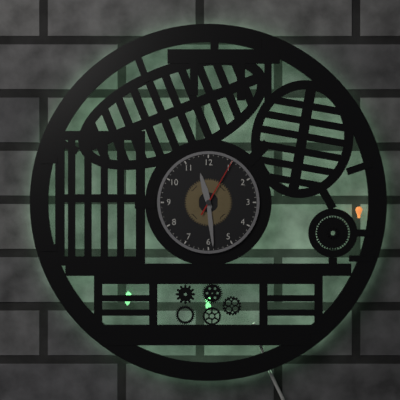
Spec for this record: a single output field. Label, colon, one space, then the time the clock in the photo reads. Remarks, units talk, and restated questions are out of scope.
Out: 11:29:05
